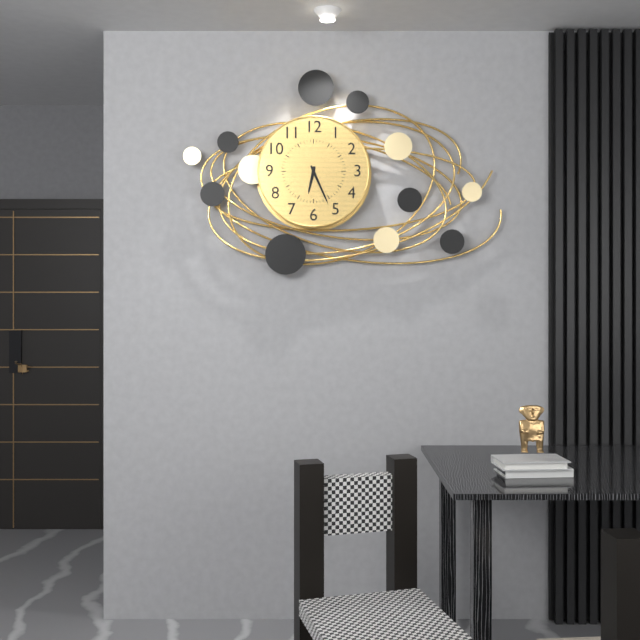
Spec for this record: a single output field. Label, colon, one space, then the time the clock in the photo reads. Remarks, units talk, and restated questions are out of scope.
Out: 6:26
